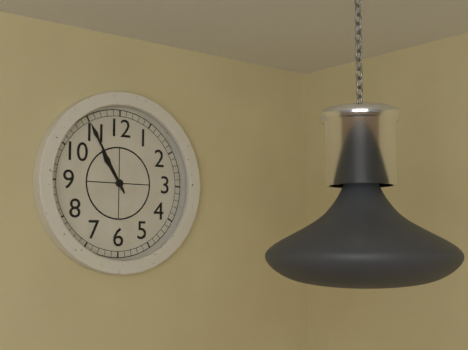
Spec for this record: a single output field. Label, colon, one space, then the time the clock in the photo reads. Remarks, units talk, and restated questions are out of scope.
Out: 10:55
